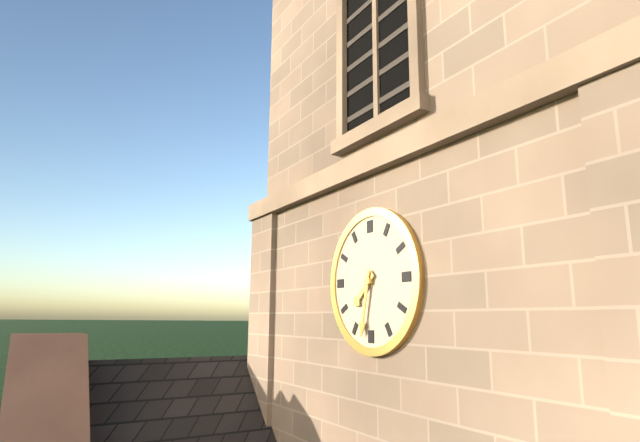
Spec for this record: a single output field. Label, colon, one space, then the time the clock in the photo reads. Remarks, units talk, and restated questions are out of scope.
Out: 7:32
